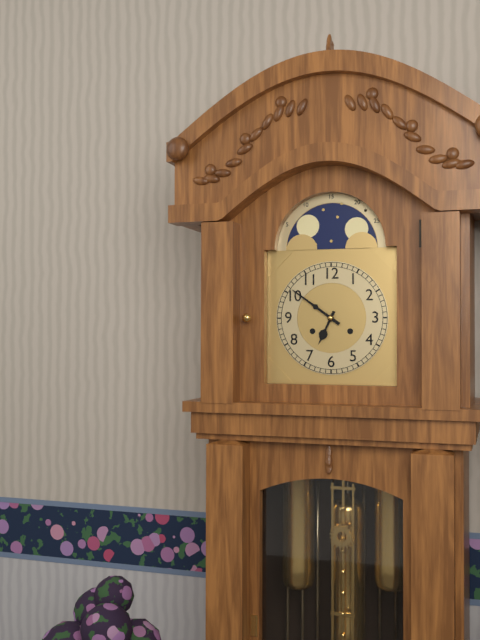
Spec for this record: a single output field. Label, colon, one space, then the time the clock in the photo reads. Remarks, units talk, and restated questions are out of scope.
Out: 6:51
